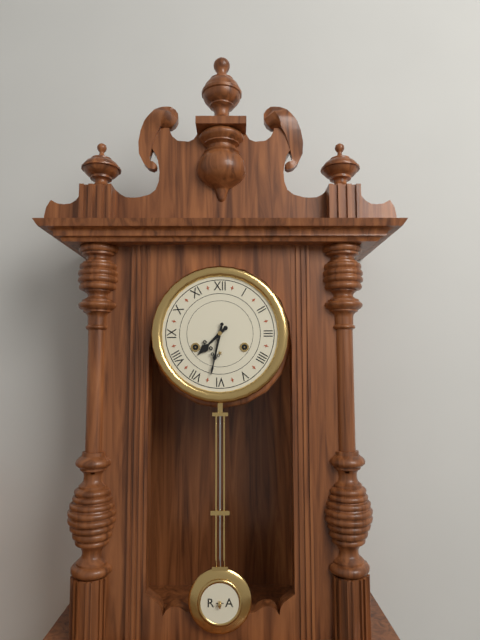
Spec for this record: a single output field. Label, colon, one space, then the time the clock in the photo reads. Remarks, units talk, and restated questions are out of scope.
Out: 7:32
